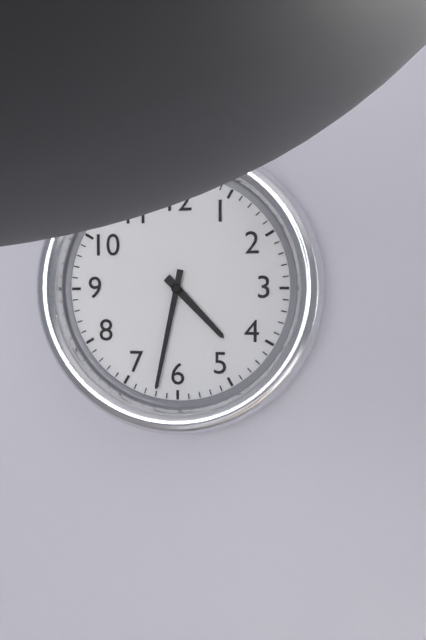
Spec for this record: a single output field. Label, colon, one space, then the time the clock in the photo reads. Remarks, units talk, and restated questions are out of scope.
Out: 4:32
